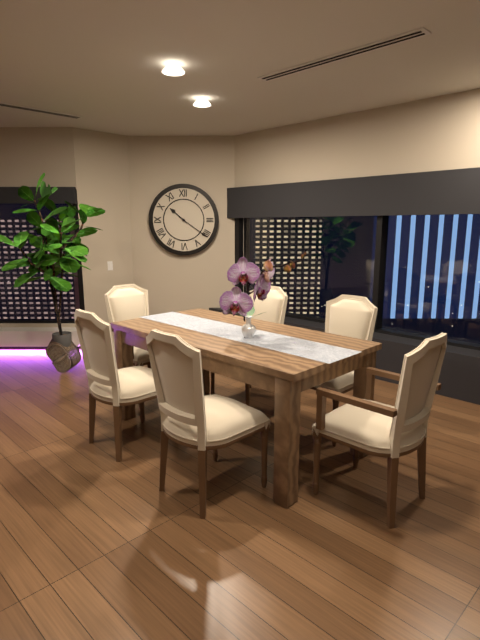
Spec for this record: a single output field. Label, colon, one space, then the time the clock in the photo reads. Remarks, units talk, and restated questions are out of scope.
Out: 10:21
